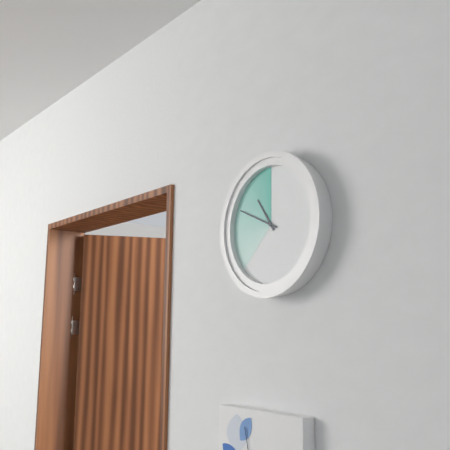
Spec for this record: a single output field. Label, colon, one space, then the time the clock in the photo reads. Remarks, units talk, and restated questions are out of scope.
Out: 10:49
